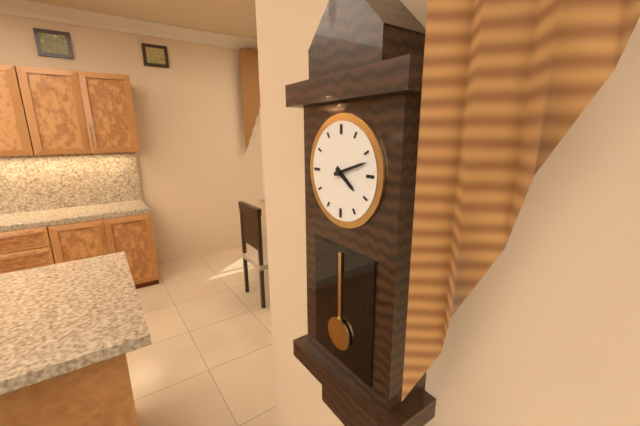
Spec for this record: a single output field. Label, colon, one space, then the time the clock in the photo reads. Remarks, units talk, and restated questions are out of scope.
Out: 4:12
